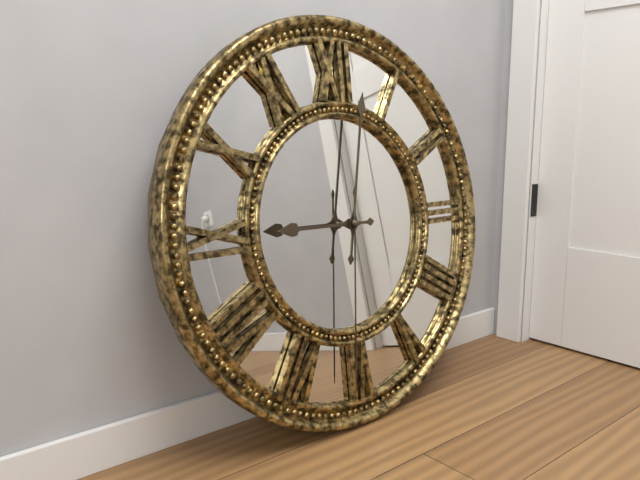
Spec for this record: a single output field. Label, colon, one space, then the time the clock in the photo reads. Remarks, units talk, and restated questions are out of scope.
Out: 9:02:31
